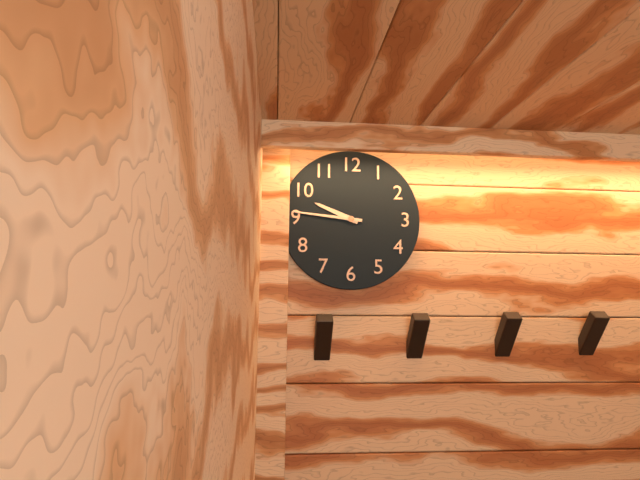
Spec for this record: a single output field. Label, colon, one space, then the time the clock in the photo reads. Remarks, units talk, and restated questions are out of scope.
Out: 9:46
